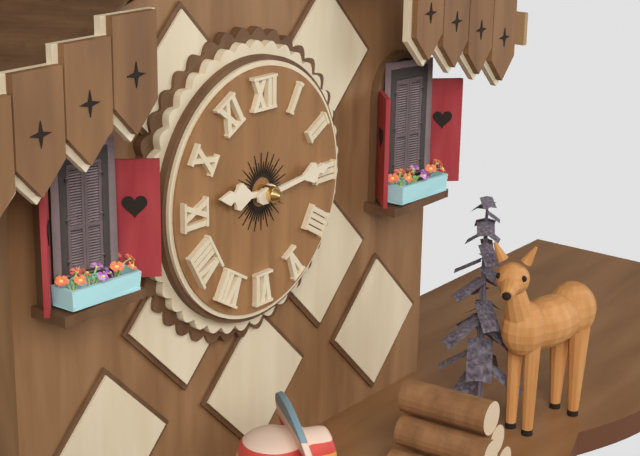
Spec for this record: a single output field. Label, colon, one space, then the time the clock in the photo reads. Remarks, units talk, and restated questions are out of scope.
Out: 9:14
